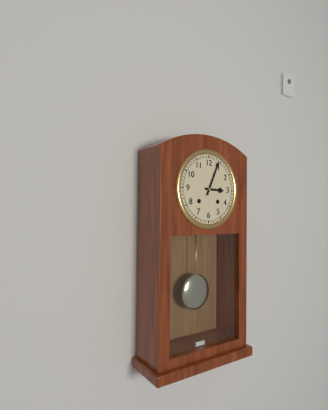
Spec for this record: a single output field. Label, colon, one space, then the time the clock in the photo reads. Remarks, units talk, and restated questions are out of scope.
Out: 3:04
